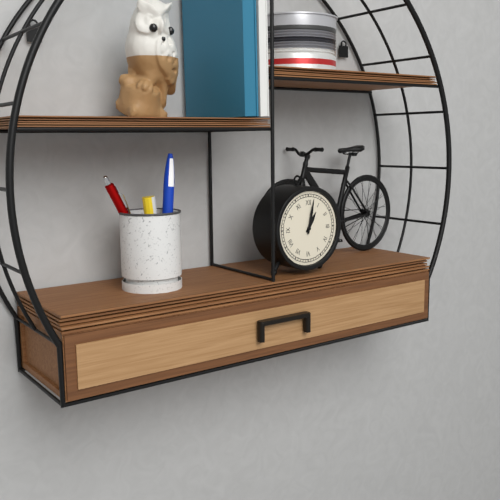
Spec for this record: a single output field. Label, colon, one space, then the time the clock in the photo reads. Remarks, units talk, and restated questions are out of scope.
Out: 1:02
